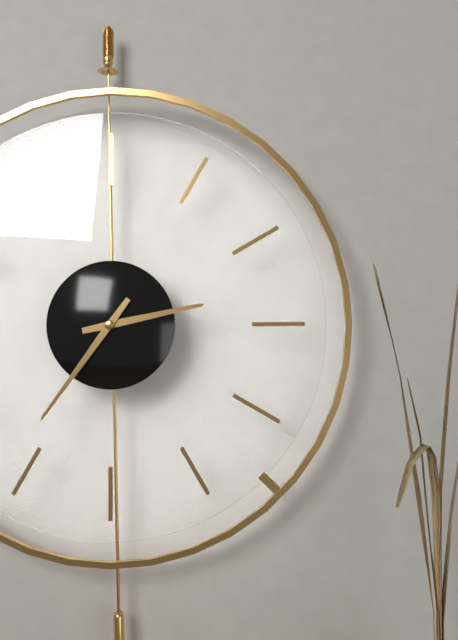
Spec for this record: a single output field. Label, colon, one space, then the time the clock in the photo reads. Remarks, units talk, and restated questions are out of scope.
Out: 2:36
